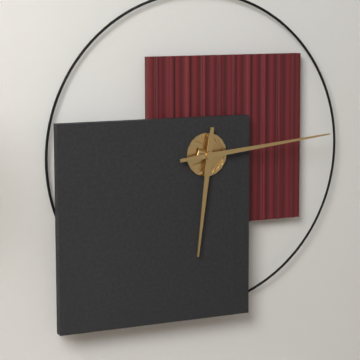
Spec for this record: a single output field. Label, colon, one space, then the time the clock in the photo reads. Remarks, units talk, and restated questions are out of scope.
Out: 6:14
